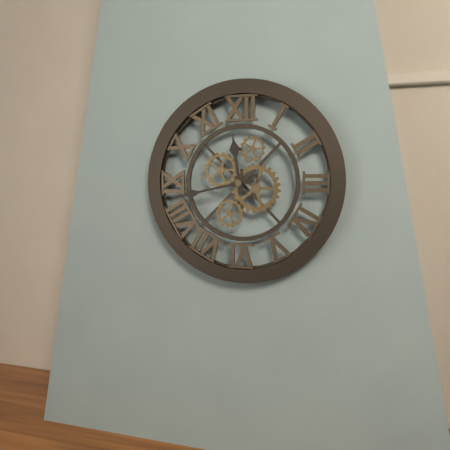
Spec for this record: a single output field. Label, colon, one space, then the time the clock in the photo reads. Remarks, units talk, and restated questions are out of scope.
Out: 11:43
